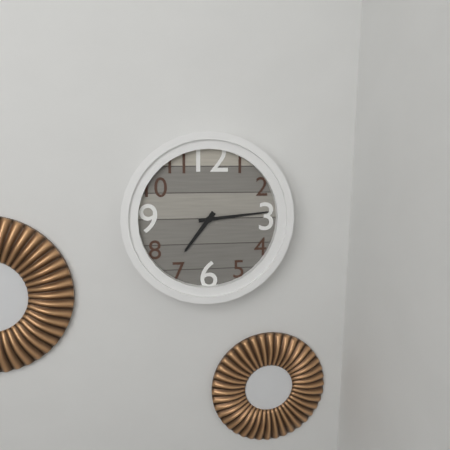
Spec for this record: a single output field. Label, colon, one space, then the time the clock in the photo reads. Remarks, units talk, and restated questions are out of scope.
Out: 7:14
